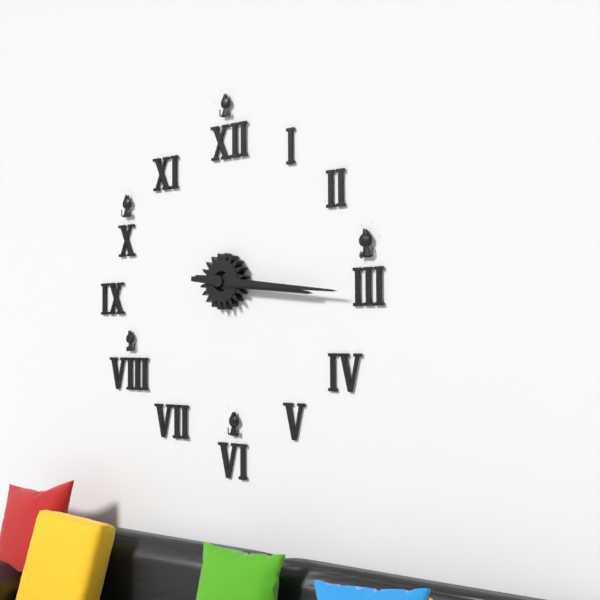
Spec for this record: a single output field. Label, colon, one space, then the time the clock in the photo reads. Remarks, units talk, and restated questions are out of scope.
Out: 3:16
